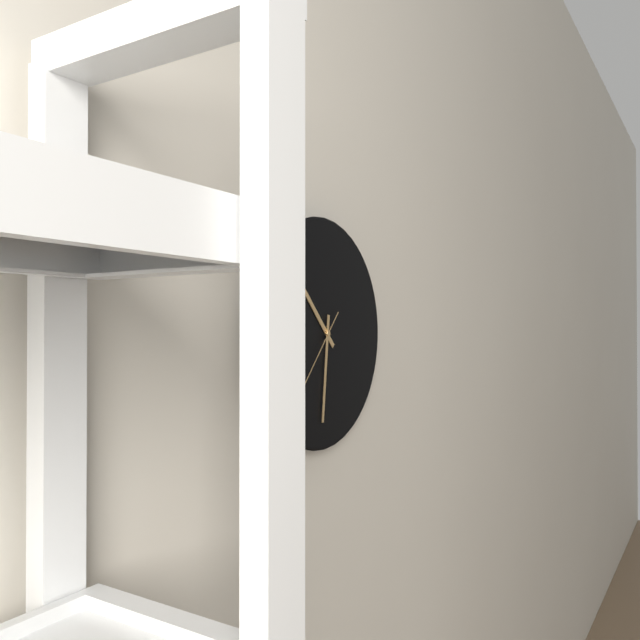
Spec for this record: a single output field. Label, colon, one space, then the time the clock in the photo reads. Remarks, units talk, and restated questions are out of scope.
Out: 10:31
